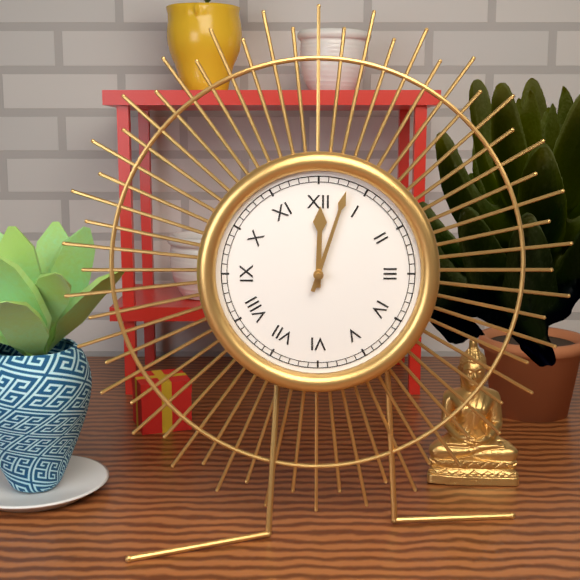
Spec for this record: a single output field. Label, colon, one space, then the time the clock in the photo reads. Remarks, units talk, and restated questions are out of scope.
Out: 12:03
